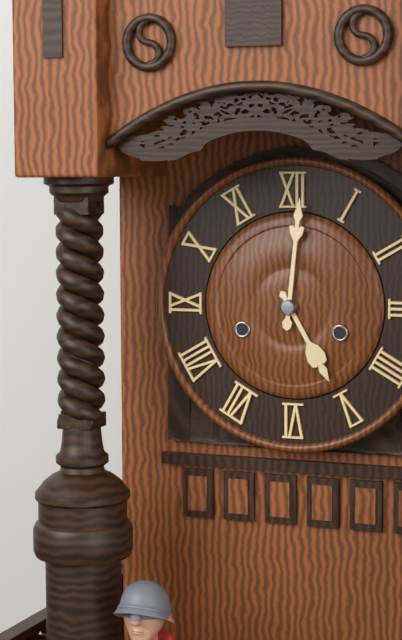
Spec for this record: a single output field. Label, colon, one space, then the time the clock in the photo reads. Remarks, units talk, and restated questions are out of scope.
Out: 5:01
